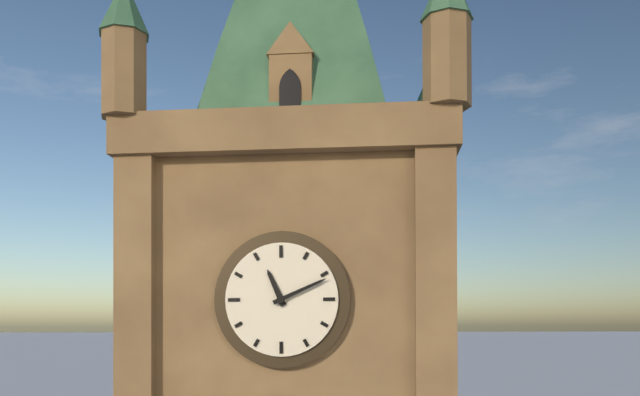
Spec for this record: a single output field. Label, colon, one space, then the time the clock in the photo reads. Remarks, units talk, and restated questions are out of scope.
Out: 11:11
